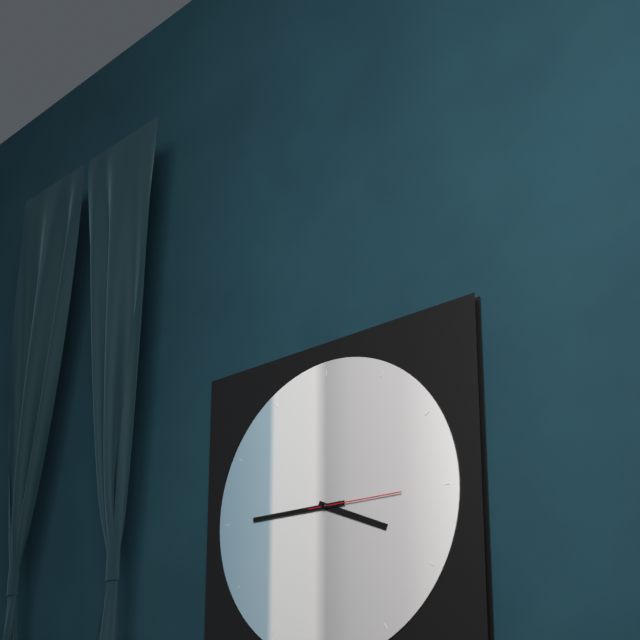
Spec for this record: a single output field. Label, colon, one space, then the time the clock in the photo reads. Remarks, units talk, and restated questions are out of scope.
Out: 3:45:15
